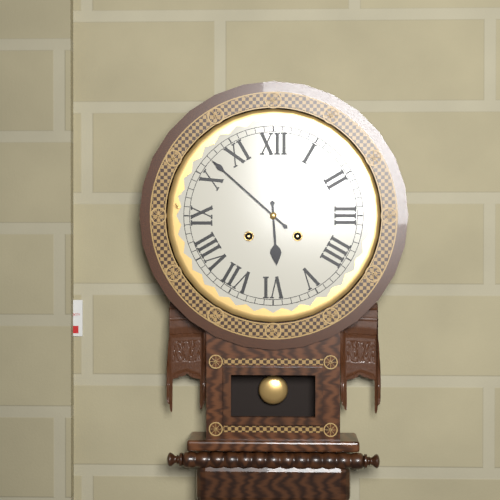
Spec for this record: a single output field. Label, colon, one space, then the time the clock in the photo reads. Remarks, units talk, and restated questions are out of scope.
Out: 5:52
